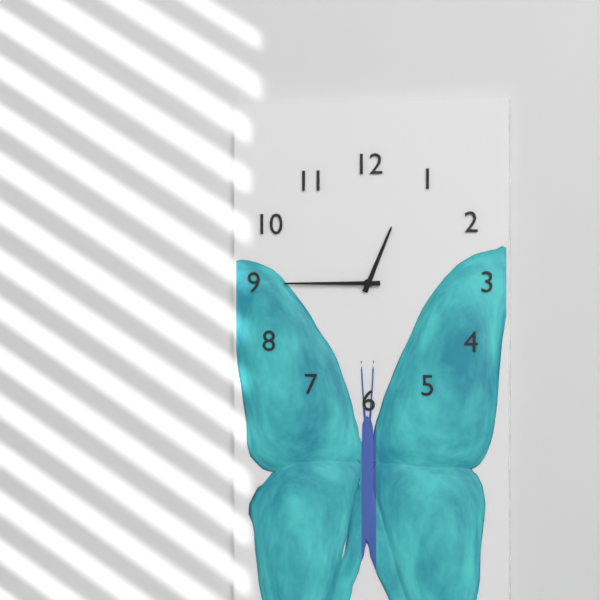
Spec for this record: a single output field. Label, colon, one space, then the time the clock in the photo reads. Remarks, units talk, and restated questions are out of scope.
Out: 12:45
